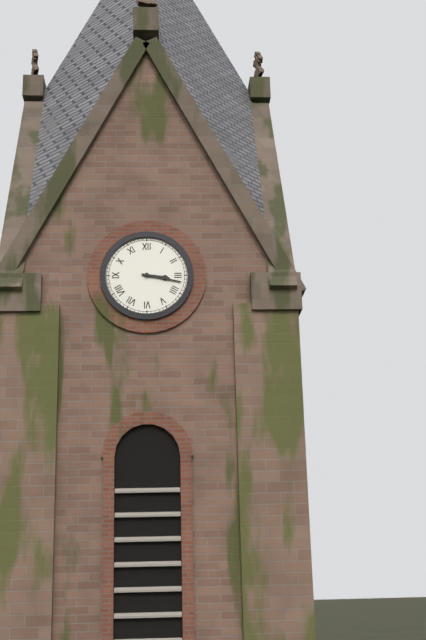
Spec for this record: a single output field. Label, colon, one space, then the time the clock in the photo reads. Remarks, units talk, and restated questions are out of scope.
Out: 3:17
